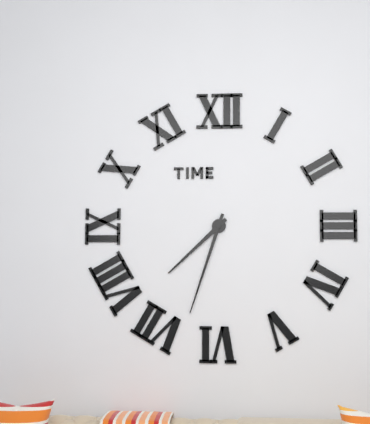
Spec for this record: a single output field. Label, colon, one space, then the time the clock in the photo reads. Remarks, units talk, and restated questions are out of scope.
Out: 7:33
